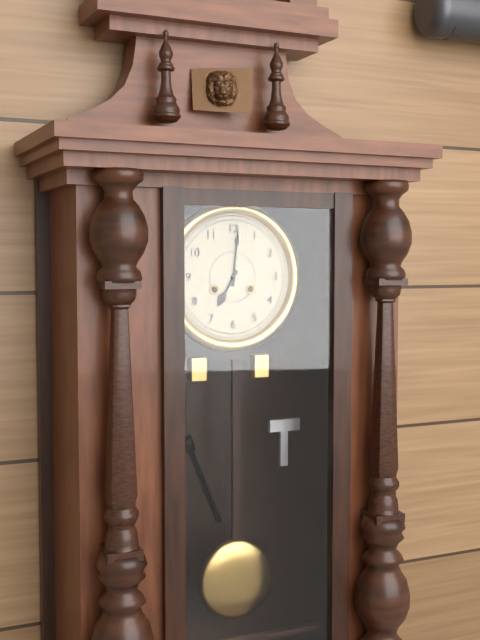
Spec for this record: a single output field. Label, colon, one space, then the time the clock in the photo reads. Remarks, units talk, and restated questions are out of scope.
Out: 7:01
